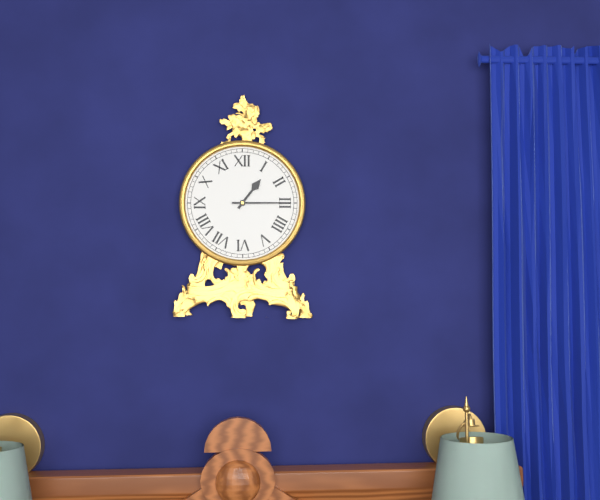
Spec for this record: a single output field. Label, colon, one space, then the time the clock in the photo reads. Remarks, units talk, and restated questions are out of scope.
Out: 1:15
